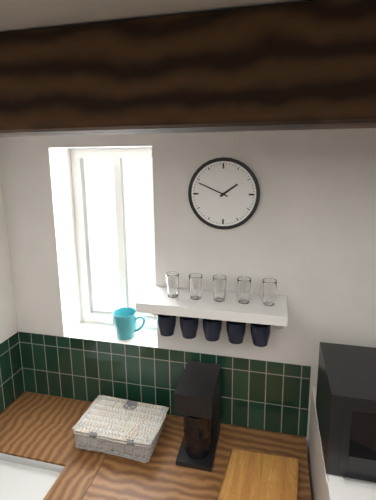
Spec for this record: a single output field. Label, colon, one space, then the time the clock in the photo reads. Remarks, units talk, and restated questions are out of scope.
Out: 1:49
